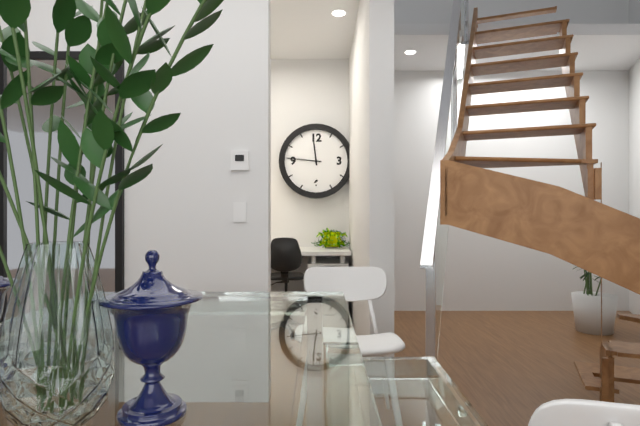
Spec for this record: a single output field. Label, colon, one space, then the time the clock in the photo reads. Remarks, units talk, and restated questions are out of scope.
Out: 11:46
